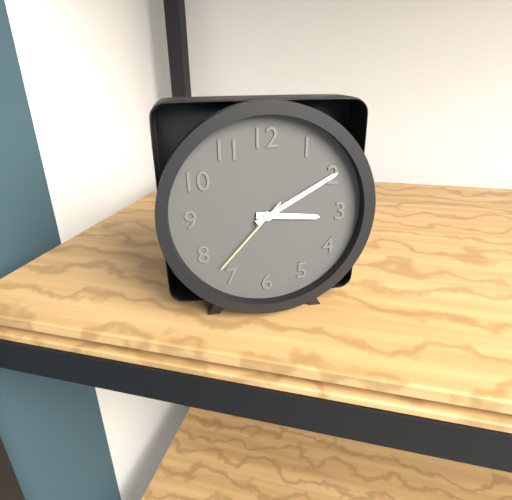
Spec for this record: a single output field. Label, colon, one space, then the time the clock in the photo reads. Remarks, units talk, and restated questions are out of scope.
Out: 3:10:37
